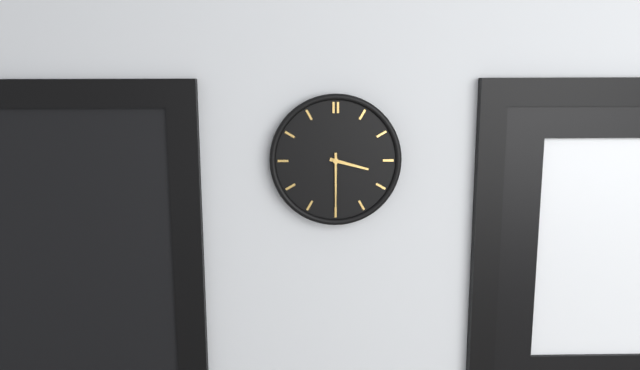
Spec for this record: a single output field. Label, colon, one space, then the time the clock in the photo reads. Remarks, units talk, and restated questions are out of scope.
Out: 3:30
